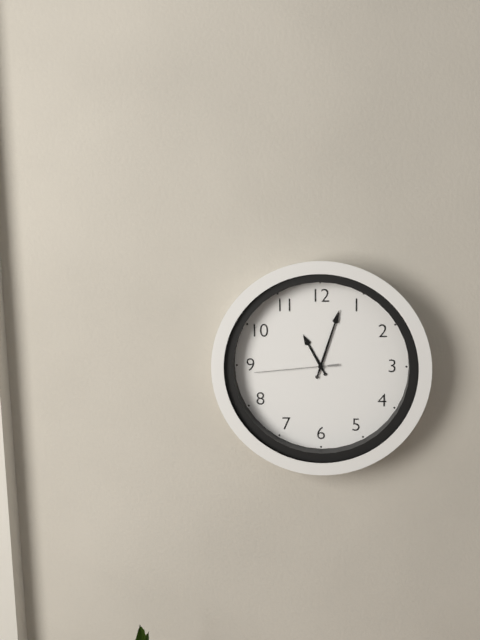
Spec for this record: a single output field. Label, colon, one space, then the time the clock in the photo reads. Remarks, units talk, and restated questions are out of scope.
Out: 11:03:44
